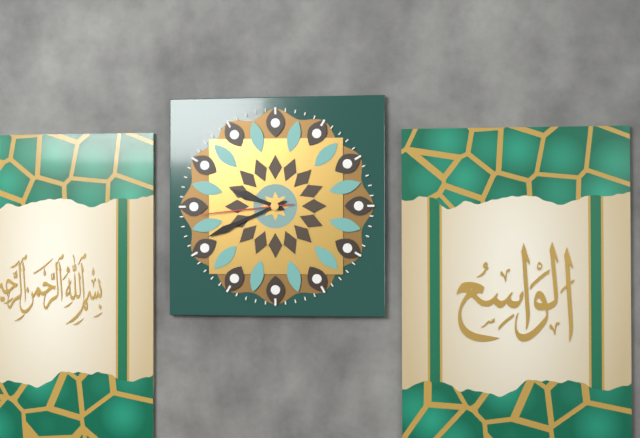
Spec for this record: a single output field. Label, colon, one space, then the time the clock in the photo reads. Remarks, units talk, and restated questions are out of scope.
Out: 9:41:44
